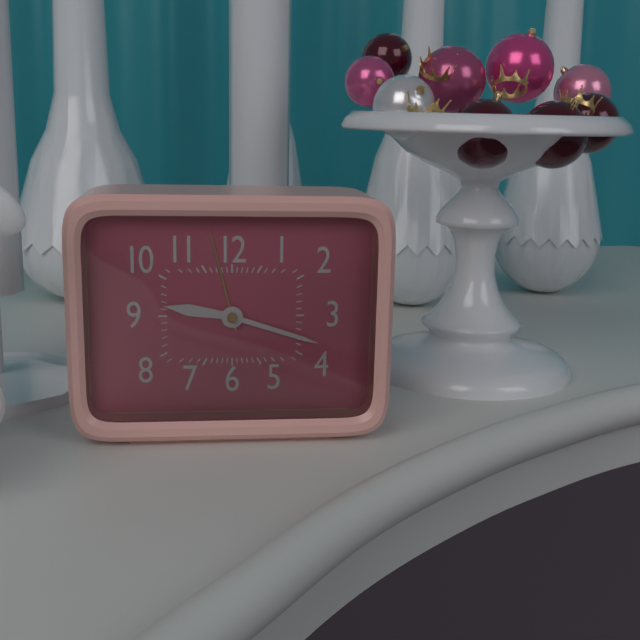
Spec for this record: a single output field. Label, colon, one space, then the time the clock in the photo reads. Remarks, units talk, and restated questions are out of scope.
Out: 9:18
